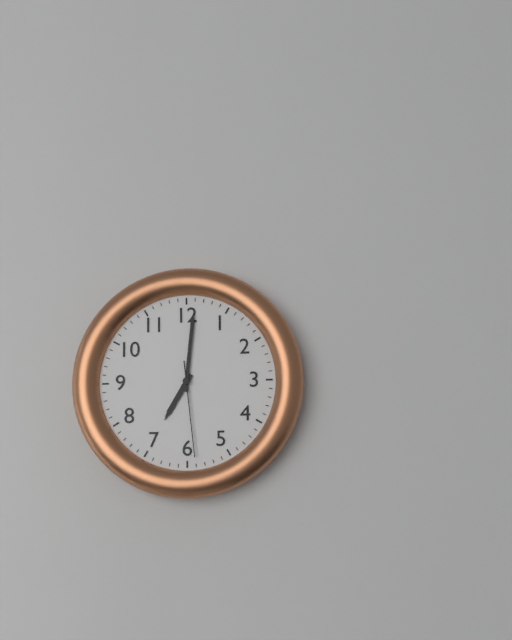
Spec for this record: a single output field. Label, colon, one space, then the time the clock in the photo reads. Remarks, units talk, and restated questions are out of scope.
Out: 7:01:29
